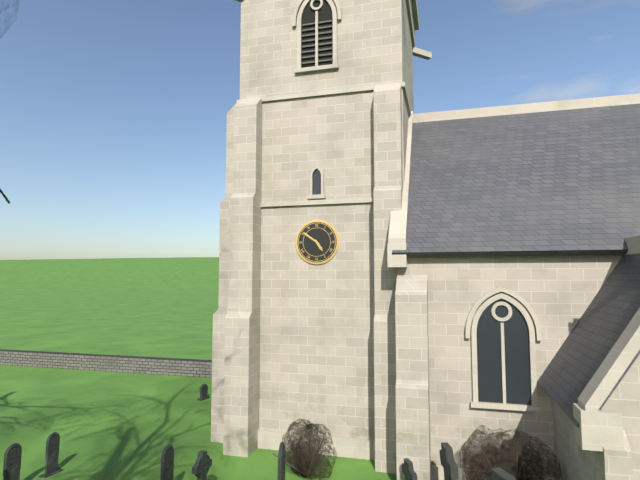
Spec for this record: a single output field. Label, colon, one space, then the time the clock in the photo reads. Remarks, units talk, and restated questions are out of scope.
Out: 4:51
